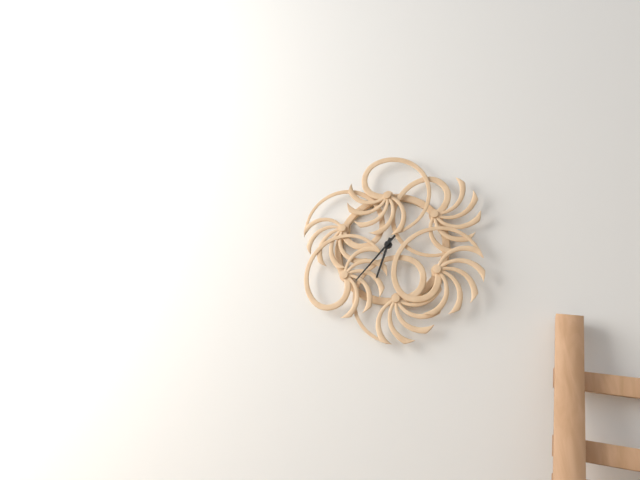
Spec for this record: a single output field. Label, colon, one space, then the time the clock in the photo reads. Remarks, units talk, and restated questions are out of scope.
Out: 6:37
